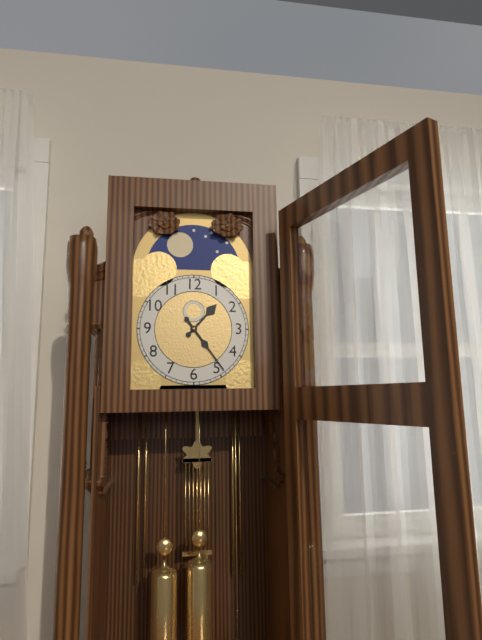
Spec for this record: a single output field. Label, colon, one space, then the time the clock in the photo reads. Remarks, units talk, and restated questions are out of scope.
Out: 1:24
